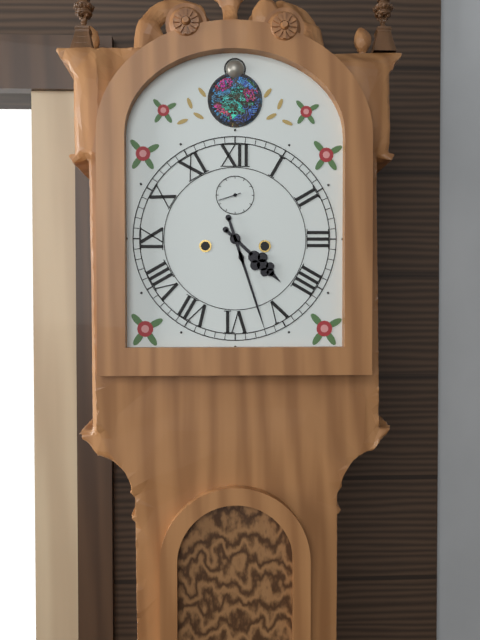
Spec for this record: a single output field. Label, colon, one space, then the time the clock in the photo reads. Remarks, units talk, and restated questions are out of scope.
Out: 4:27
